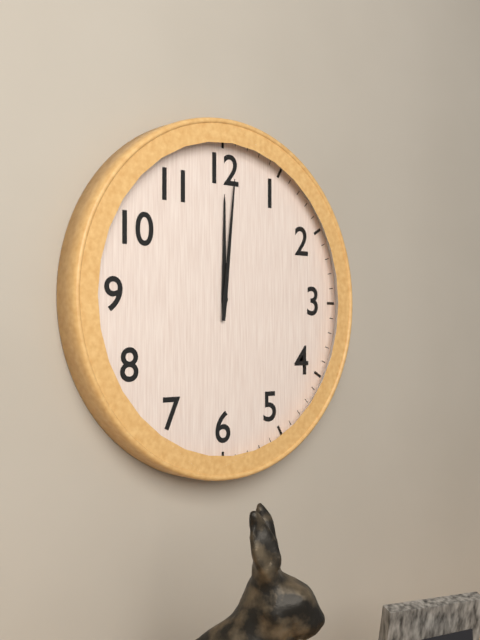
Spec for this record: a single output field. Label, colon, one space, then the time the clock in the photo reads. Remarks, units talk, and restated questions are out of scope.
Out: 12:01
